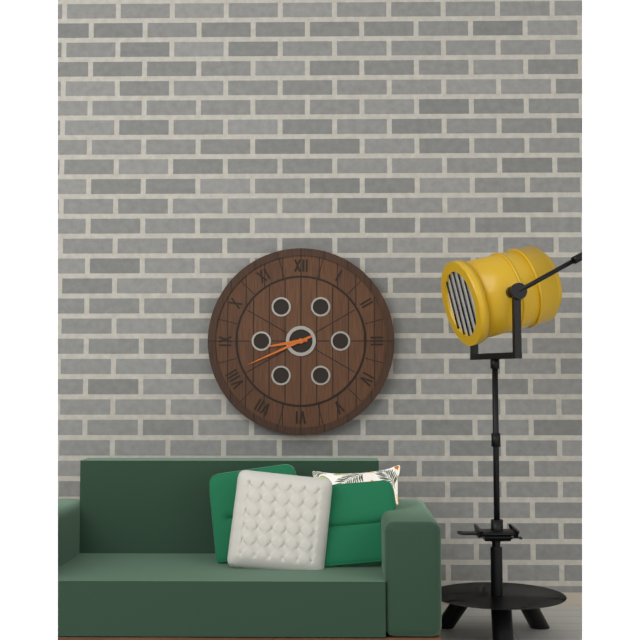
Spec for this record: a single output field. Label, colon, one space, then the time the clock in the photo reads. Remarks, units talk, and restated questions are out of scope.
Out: 8:41
